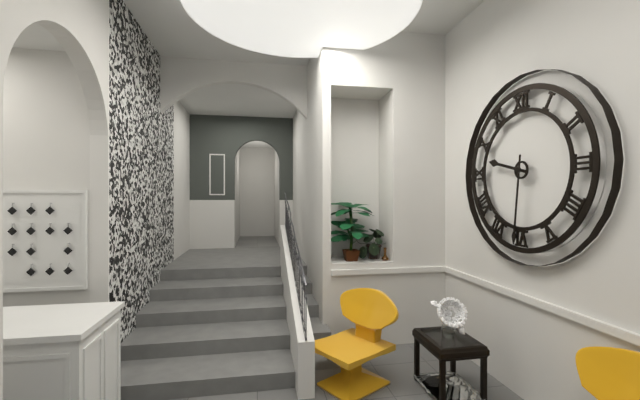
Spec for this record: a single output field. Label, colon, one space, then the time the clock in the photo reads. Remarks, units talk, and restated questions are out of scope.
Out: 9:31
